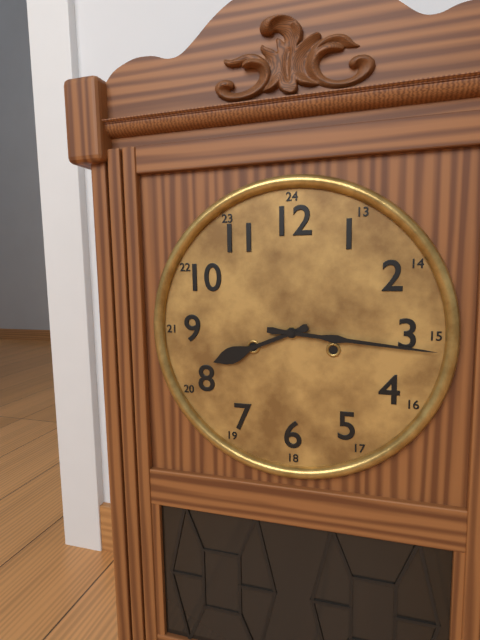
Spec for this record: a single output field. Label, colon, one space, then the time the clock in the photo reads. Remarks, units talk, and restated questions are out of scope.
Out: 8:16
